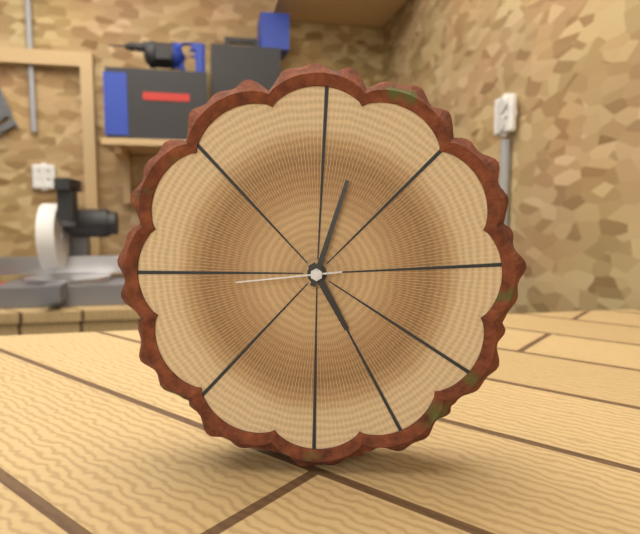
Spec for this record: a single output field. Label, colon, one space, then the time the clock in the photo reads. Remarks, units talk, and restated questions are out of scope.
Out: 5:03:44
